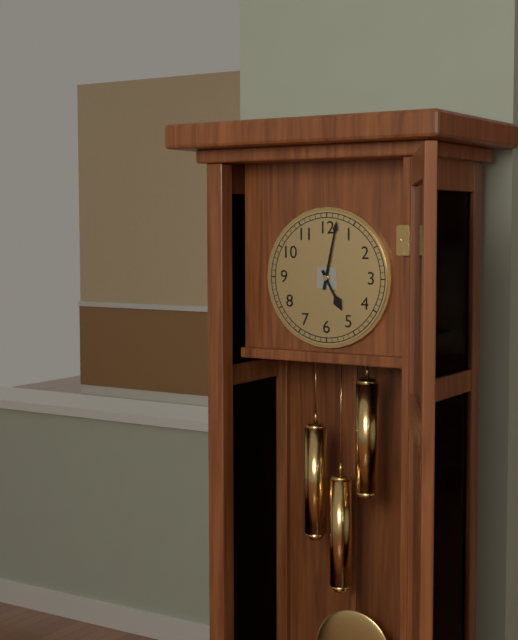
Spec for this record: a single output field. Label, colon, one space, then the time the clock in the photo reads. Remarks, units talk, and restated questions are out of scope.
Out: 5:02
